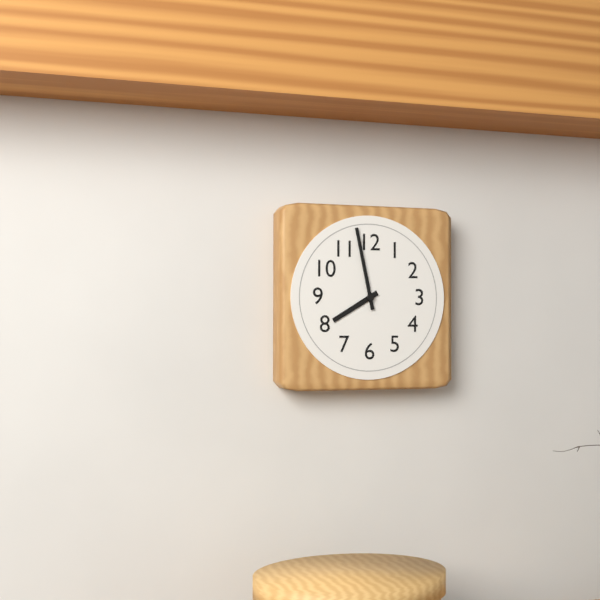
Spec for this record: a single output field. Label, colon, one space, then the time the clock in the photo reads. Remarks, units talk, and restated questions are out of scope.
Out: 7:58
